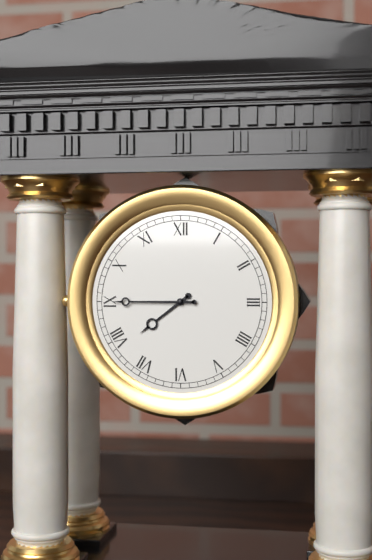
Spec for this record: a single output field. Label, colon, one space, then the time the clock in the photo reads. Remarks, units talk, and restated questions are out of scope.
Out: 7:45
